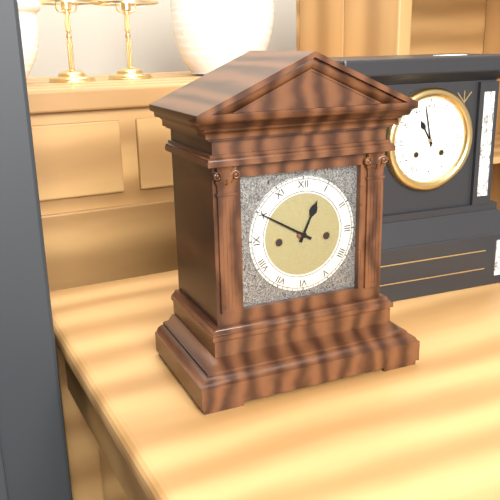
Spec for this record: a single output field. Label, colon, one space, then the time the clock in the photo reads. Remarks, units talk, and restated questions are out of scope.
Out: 12:50
